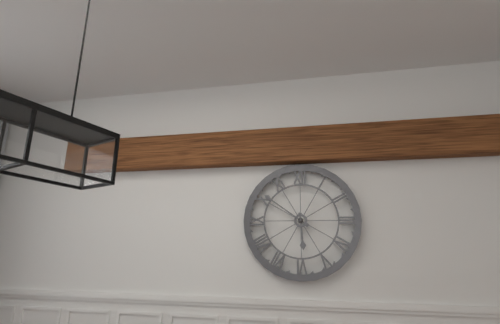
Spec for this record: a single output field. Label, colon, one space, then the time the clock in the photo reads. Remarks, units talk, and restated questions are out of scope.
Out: 5:51
